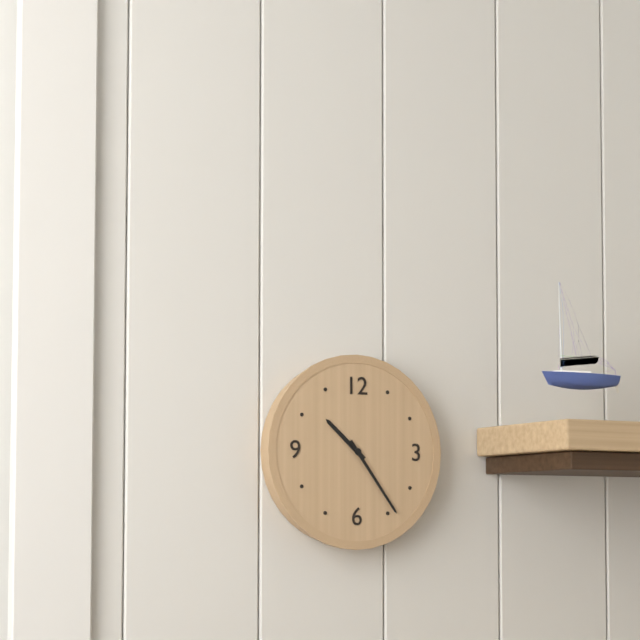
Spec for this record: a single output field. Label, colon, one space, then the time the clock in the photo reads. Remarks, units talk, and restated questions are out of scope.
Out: 10:24
